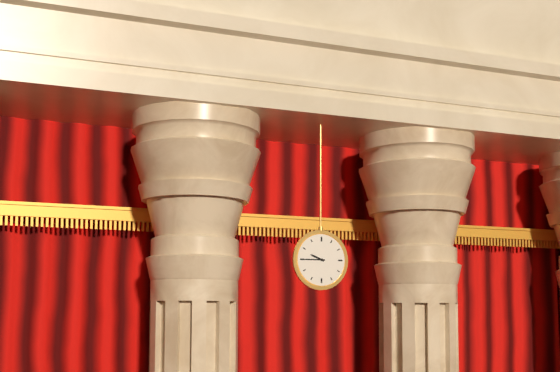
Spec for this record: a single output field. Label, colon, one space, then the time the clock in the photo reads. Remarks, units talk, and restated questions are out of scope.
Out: 9:45
